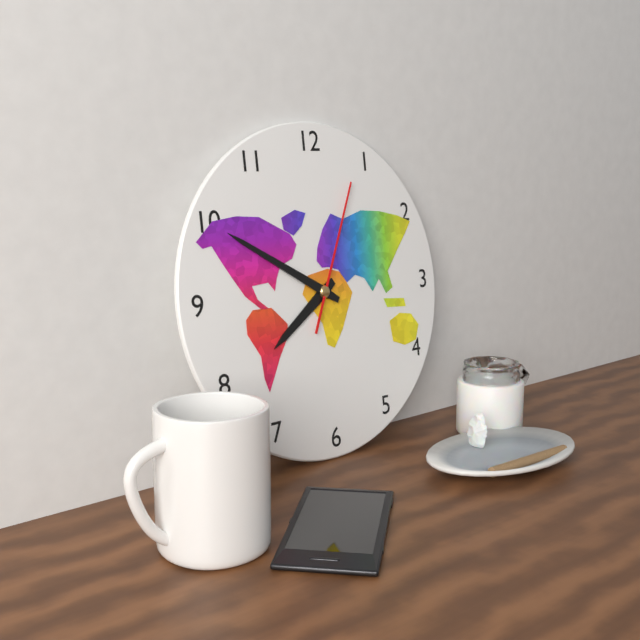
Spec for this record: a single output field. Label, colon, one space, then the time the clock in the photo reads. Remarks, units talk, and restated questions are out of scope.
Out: 7:50:04
